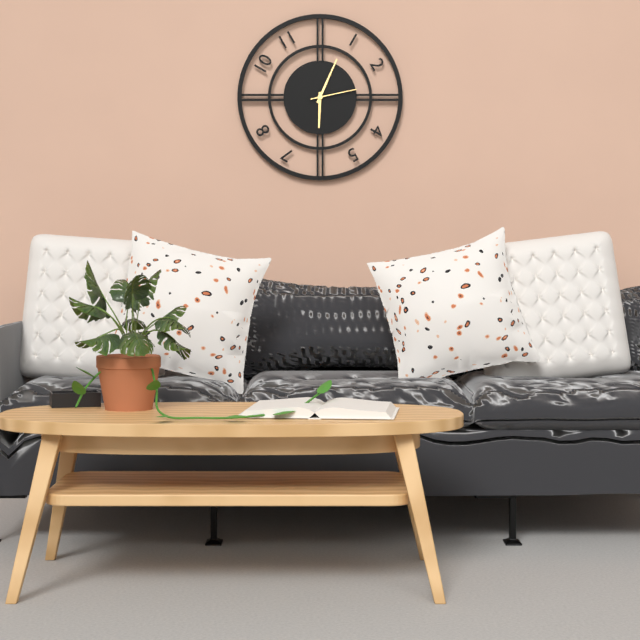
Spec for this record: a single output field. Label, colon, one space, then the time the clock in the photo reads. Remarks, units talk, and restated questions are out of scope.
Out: 6:04
